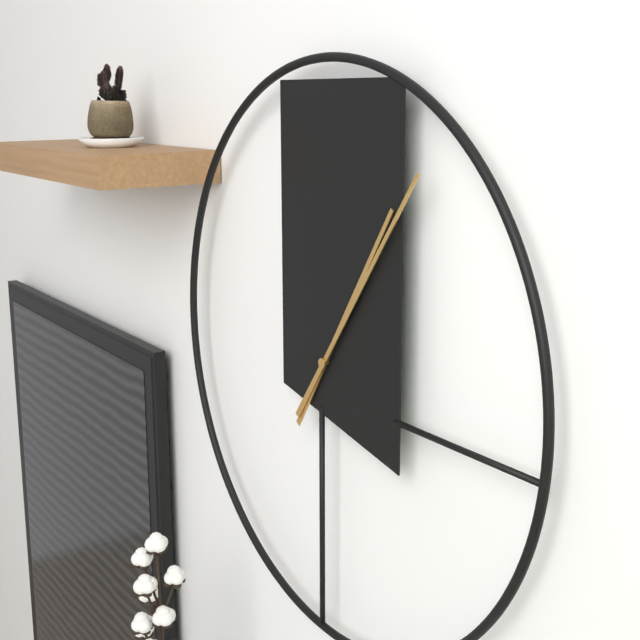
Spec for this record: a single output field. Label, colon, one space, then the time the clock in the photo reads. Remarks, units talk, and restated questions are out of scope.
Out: 1:06
